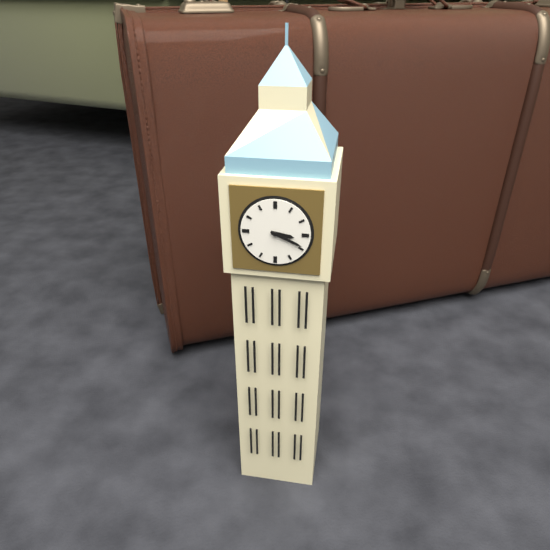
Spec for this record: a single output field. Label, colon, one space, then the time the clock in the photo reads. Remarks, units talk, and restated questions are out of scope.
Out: 3:19
